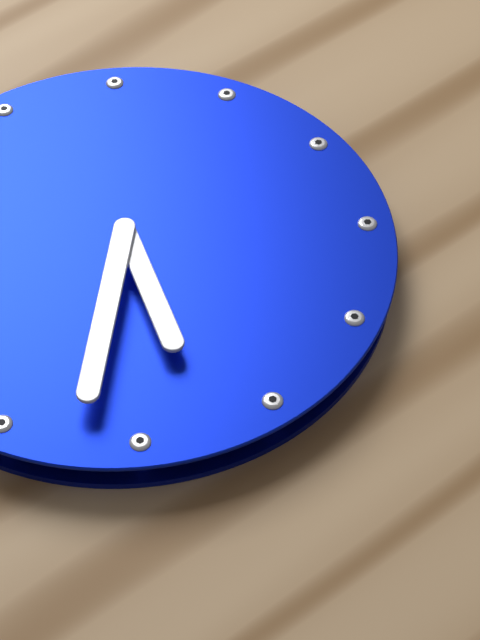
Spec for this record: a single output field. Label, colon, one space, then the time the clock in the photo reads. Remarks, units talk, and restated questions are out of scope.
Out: 5:32
